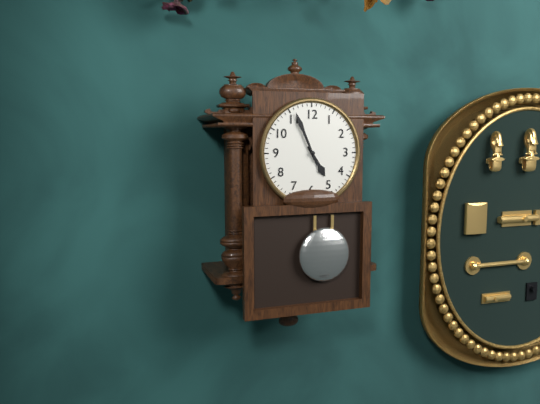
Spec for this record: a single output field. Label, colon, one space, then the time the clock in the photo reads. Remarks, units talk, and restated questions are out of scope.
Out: 4:56
